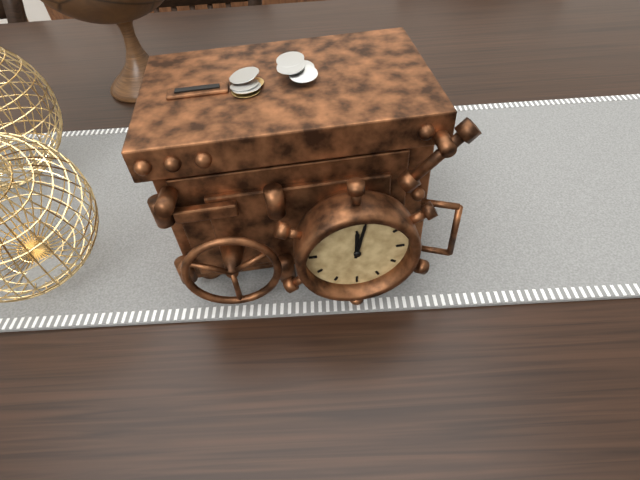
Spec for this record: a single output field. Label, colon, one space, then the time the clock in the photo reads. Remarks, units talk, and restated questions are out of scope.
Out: 12:02
